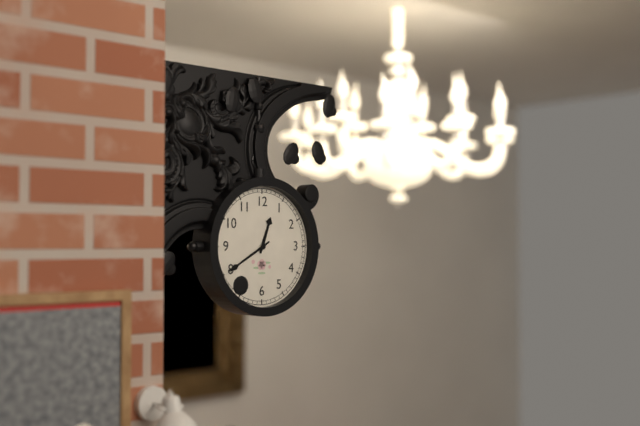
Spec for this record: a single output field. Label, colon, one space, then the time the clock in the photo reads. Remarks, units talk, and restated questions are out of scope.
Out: 12:40
